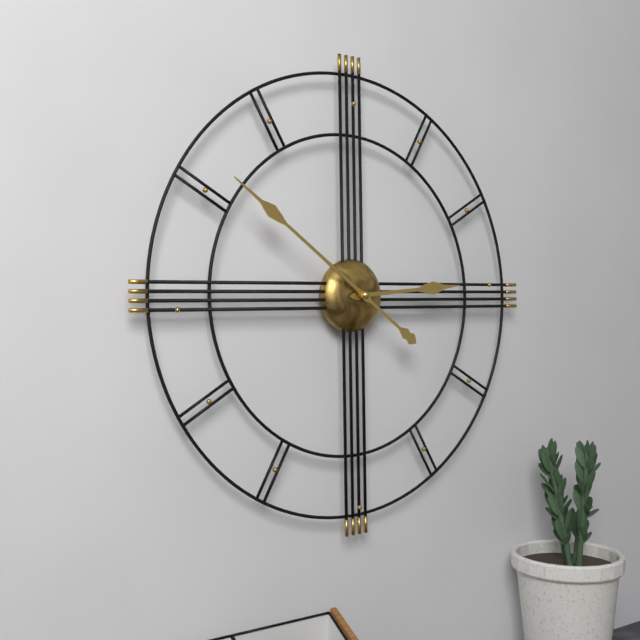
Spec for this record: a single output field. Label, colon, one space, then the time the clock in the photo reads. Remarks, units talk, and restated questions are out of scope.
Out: 2:51
